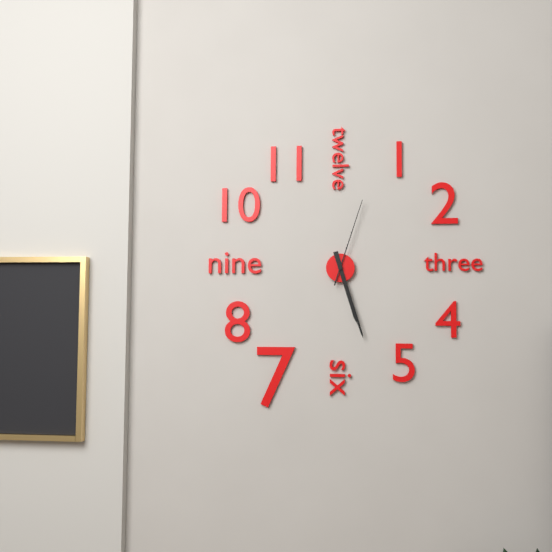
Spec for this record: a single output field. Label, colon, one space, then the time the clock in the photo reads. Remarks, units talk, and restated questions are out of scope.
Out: 5:27:03
